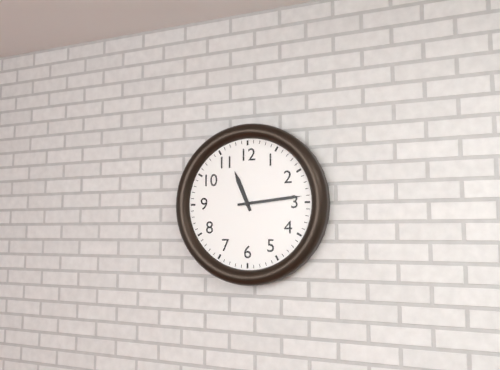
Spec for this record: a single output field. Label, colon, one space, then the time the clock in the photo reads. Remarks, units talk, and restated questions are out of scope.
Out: 11:14
